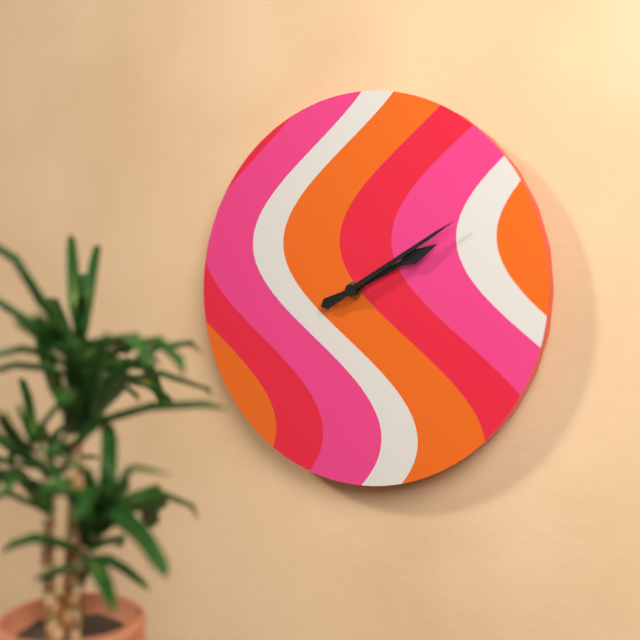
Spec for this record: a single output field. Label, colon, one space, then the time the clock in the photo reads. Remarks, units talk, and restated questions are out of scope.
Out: 2:10
